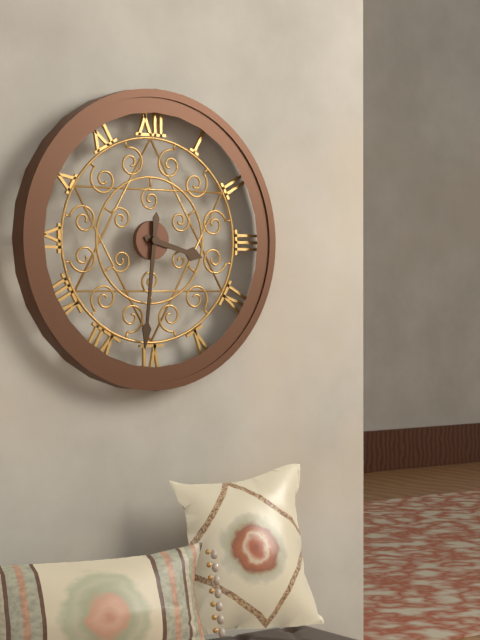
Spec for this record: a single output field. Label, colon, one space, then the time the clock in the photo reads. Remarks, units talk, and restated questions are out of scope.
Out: 3:31
